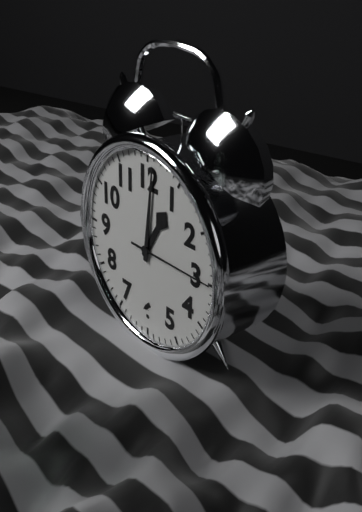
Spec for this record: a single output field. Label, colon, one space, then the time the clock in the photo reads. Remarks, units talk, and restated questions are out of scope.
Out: 1:01:15
